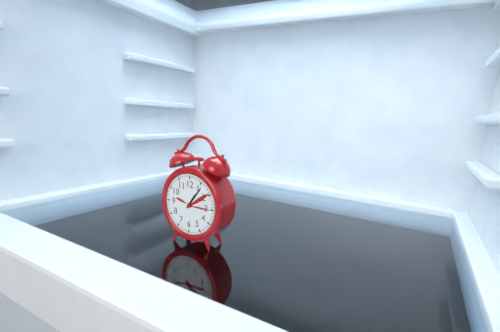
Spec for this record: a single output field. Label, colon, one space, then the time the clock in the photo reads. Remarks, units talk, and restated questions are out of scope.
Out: 1:06
